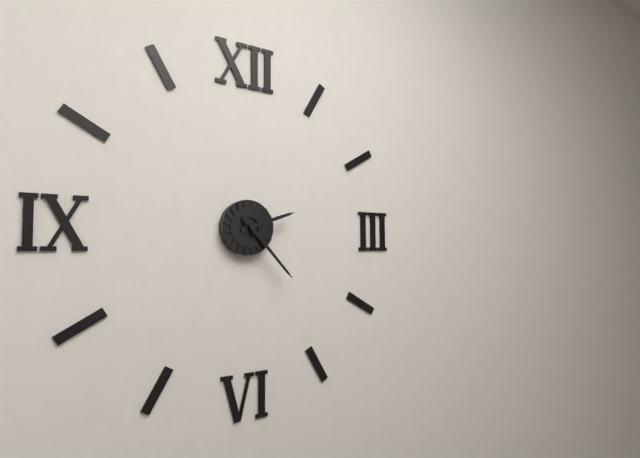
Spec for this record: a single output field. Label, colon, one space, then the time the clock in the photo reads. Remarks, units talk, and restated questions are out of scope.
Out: 2:23
